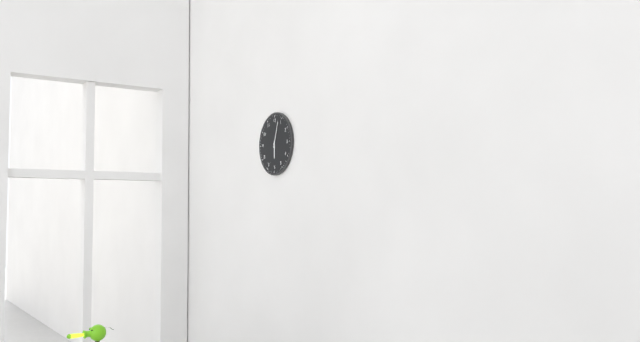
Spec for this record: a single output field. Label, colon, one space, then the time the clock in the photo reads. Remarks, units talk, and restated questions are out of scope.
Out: 6:03
